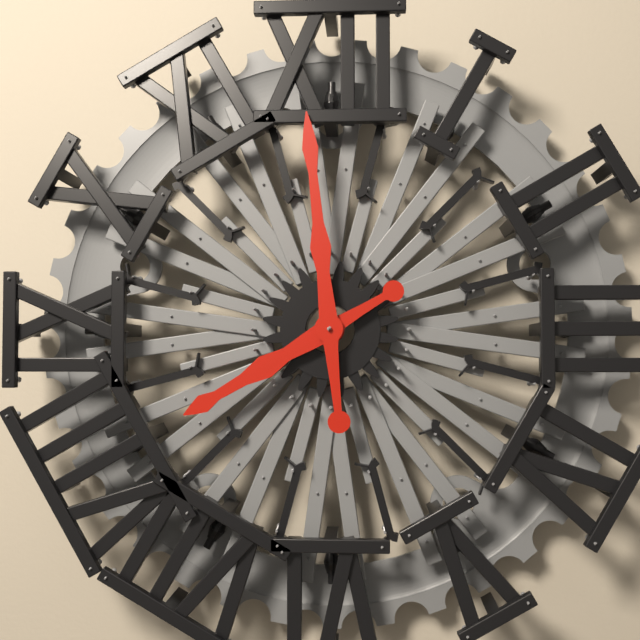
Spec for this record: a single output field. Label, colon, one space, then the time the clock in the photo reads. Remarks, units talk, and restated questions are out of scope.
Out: 7:59
